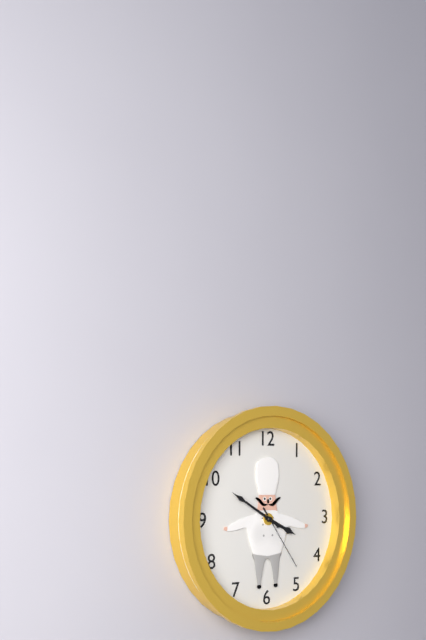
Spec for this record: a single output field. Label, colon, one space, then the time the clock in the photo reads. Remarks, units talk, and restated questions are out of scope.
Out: 3:50:24
